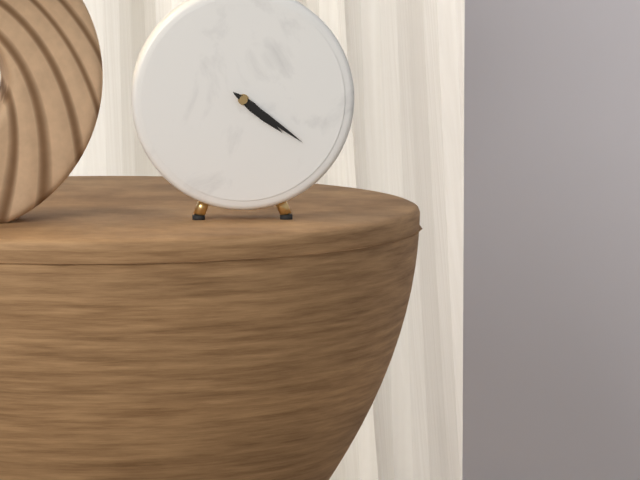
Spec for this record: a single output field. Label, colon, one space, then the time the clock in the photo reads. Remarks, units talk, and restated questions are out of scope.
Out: 4:21
